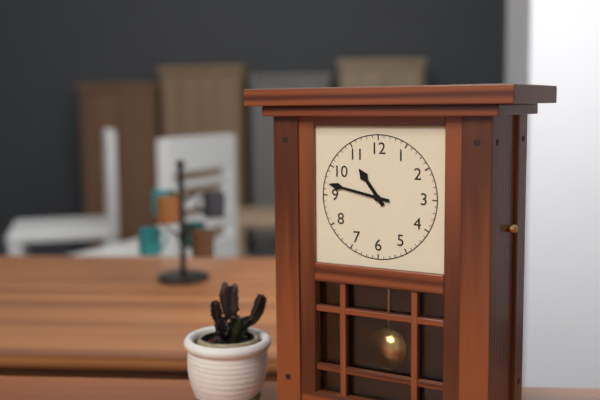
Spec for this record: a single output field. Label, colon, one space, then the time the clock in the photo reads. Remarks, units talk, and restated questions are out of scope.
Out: 10:47
